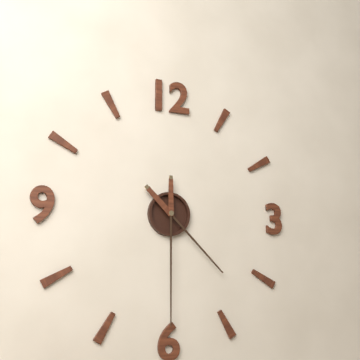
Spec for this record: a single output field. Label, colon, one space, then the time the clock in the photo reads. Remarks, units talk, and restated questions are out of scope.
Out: 4:30
